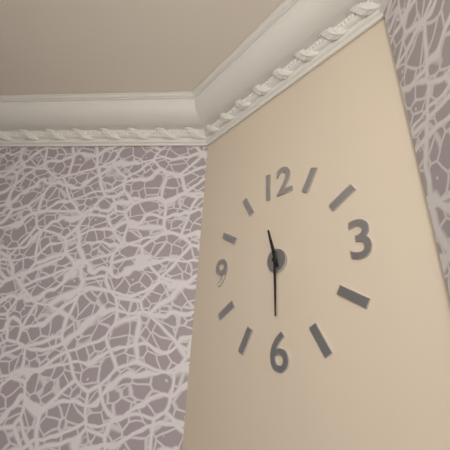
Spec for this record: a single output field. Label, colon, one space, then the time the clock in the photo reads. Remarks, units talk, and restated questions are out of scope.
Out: 11:30
